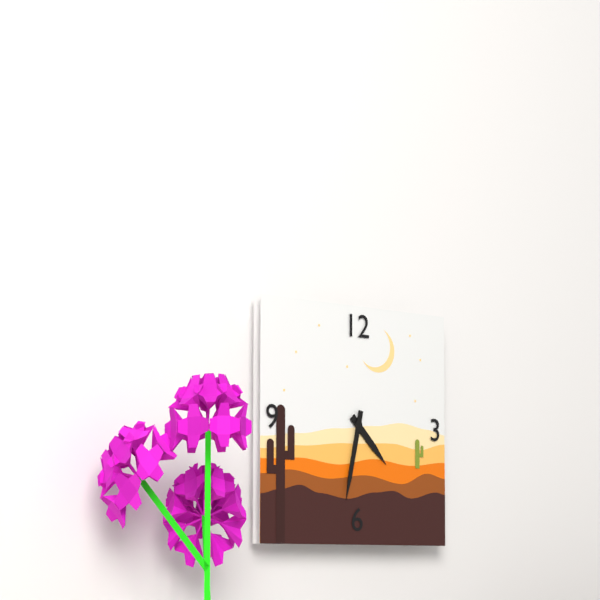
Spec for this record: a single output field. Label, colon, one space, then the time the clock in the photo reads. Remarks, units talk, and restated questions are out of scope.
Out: 4:32
